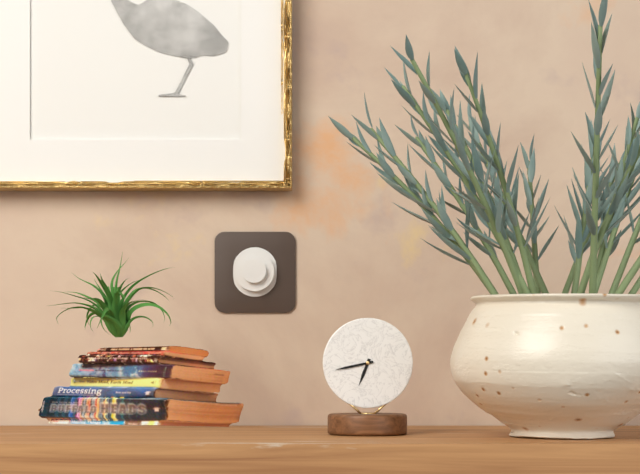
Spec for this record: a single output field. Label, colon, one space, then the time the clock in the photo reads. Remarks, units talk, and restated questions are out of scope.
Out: 6:43
